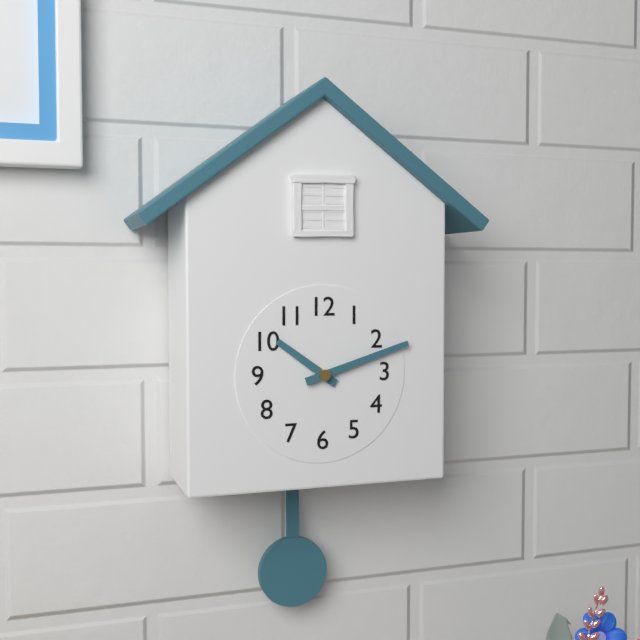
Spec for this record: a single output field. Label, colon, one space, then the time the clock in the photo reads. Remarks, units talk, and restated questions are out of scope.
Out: 10:12
